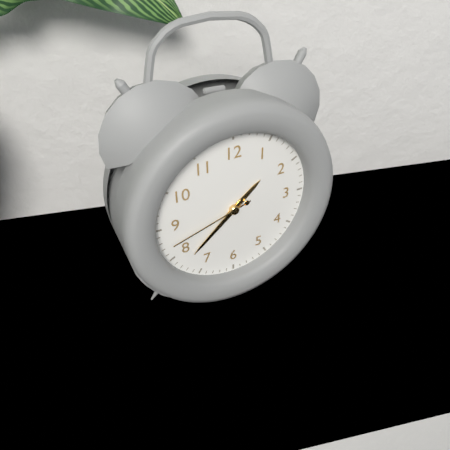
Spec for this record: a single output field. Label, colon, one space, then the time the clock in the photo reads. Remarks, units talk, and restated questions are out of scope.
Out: 1:38:42
